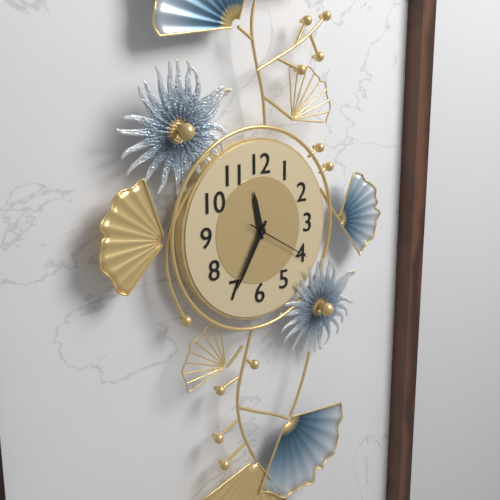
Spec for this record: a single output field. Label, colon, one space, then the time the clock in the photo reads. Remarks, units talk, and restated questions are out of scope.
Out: 11:35:20
